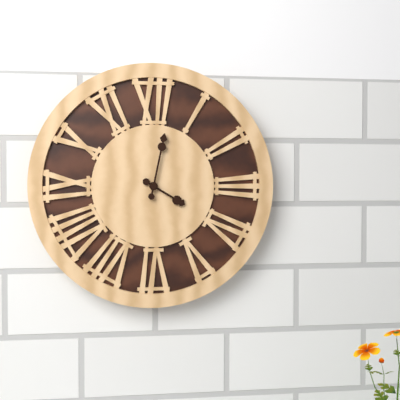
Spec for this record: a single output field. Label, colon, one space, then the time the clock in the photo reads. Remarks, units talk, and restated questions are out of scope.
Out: 4:02
